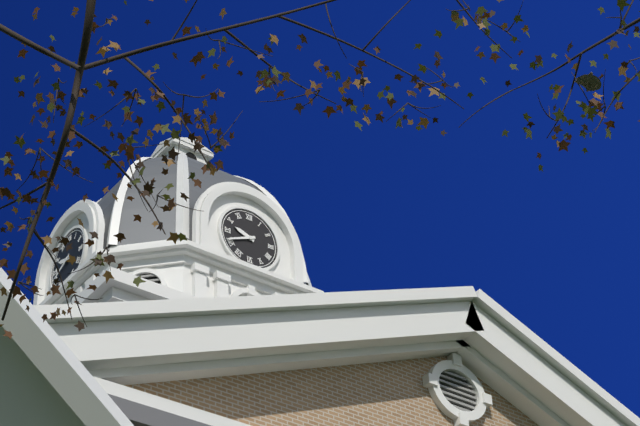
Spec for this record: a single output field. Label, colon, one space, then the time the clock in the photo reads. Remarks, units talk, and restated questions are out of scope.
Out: 9:41
